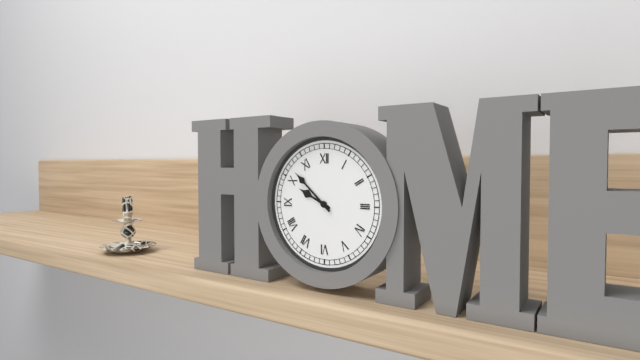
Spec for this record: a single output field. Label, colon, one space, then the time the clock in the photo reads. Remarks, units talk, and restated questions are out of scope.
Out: 9:52
